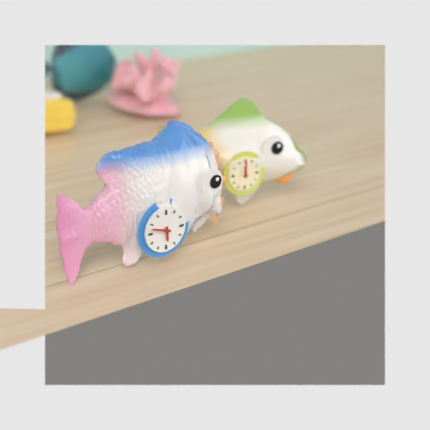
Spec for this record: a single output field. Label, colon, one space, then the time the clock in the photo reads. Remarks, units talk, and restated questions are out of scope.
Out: 5:48
